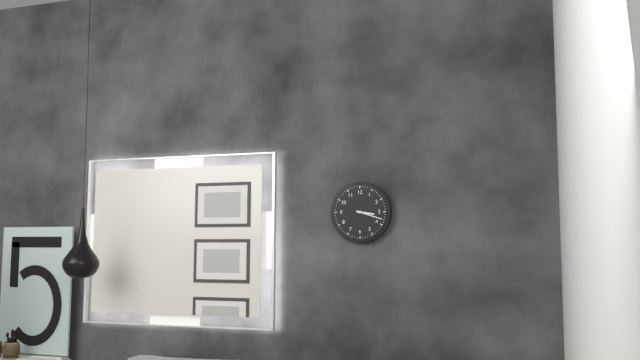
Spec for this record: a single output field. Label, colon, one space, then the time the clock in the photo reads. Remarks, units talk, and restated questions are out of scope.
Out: 3:18
